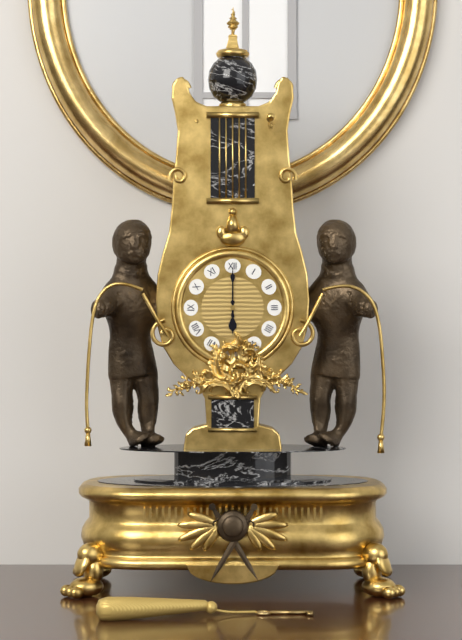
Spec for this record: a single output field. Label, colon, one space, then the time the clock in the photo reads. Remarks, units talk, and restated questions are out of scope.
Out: 6:00
